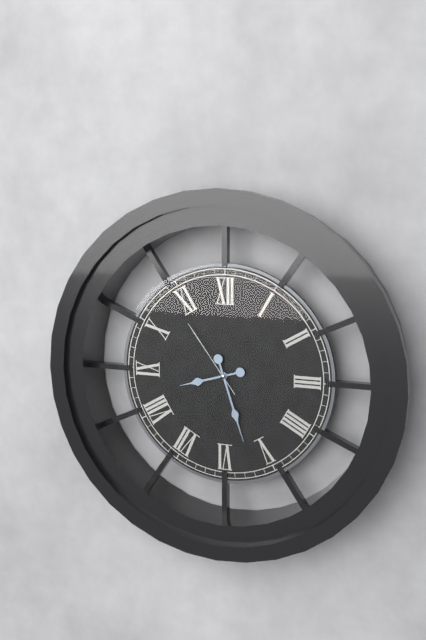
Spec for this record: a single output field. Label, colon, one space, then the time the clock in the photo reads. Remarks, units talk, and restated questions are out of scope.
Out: 8:27:54
